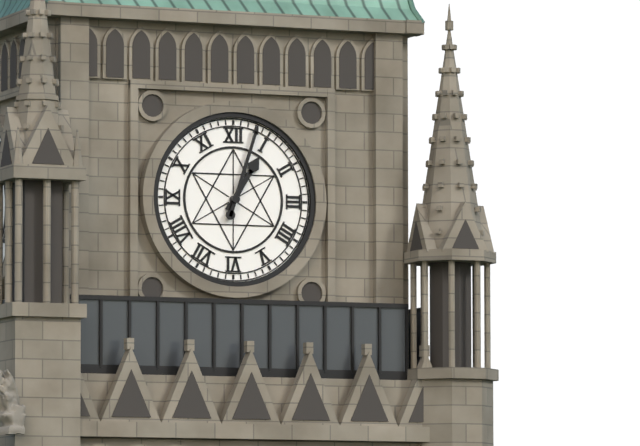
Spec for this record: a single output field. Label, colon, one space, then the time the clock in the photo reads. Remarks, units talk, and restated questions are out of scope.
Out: 1:03
